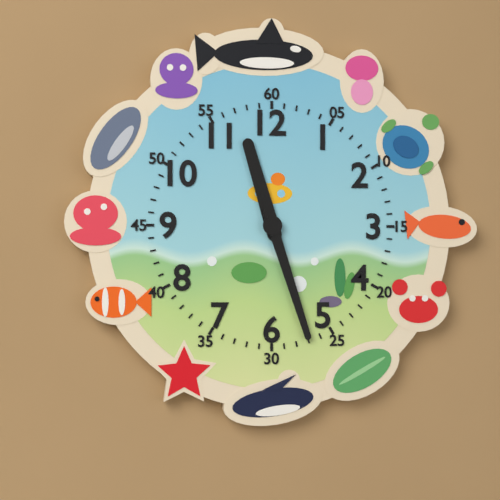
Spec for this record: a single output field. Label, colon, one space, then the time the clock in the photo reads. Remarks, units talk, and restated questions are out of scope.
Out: 11:27
